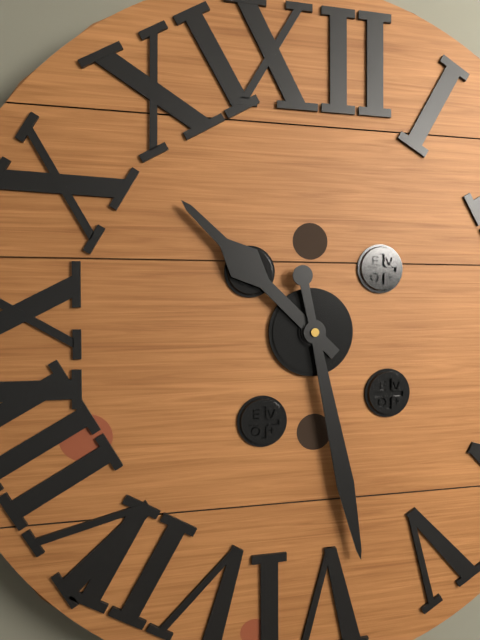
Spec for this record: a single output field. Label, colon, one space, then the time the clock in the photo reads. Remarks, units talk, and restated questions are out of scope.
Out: 10:28
